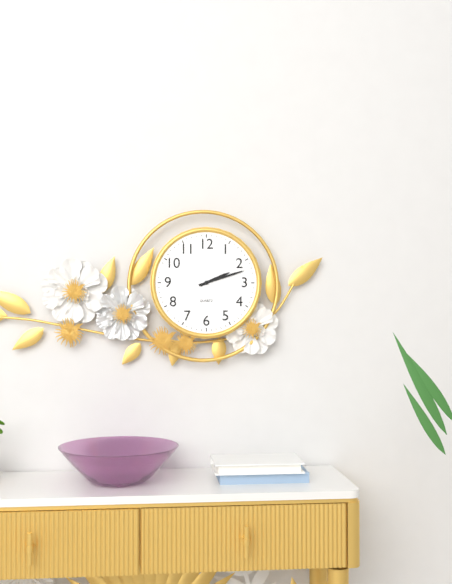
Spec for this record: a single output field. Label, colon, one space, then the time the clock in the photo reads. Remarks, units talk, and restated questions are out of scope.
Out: 2:12
